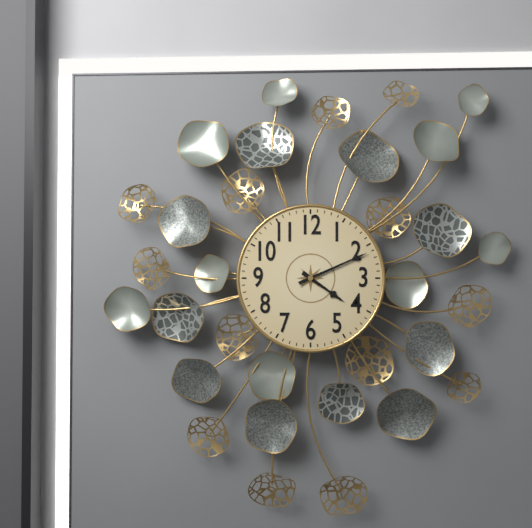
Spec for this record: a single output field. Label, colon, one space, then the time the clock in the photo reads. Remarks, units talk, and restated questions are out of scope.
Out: 4:11
